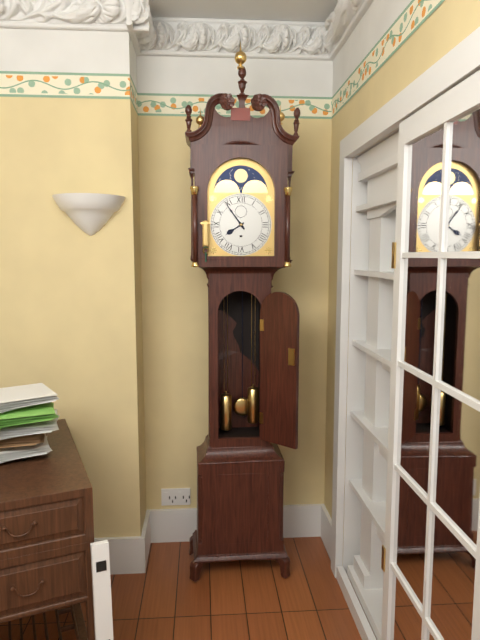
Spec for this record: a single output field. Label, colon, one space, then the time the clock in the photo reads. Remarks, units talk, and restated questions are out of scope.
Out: 7:54
